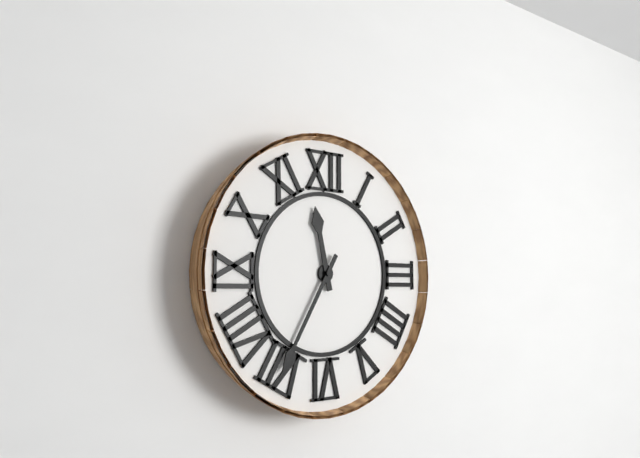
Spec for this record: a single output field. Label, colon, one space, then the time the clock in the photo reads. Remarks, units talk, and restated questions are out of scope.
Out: 11:35
